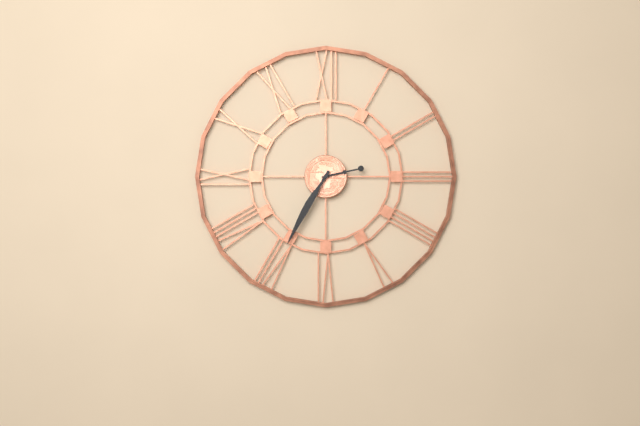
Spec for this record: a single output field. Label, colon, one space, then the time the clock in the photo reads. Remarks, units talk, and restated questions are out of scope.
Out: 2:35
